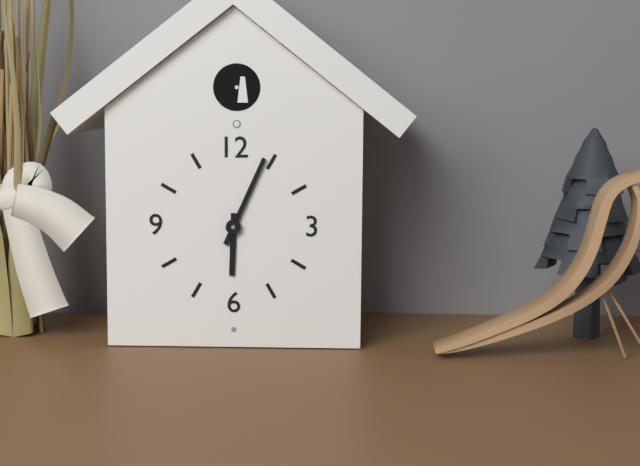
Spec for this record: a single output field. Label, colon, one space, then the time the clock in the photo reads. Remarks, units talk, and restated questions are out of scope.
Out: 6:04
